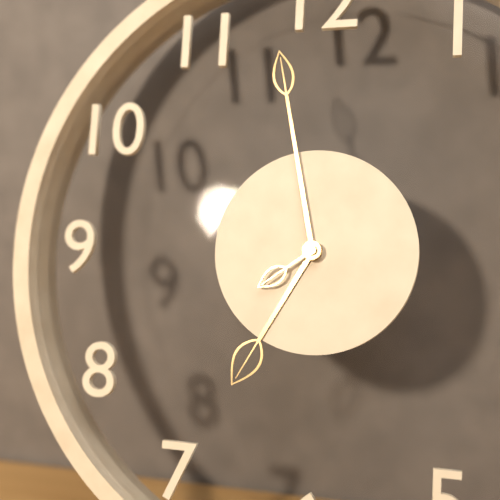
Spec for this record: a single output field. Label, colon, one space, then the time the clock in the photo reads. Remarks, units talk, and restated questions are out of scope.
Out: 6:58:39
